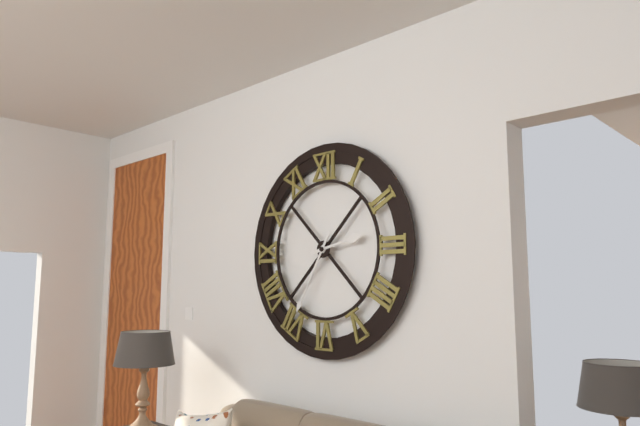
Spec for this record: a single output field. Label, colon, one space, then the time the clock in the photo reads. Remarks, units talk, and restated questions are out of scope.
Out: 2:35
